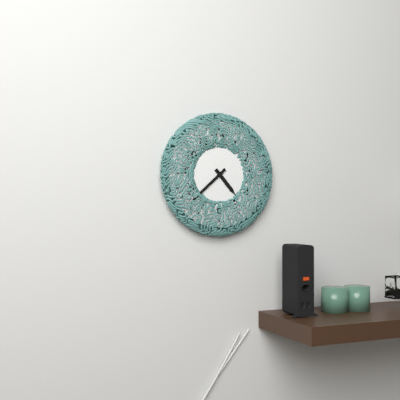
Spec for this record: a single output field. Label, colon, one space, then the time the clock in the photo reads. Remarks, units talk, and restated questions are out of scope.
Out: 4:38
